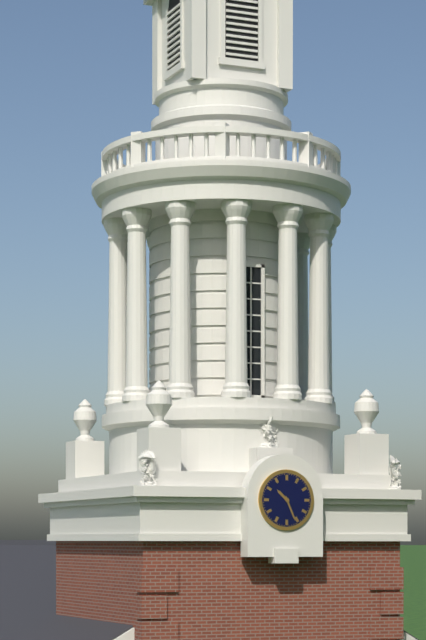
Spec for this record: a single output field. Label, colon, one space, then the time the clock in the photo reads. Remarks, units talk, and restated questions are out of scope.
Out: 10:26
